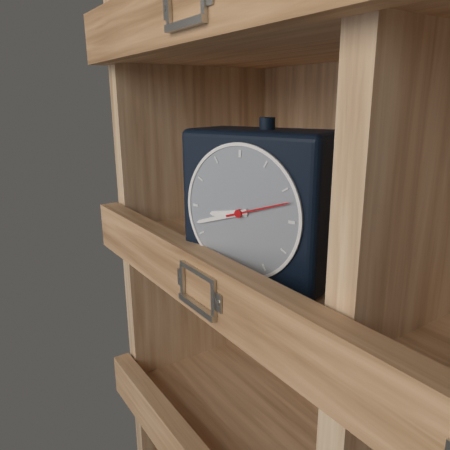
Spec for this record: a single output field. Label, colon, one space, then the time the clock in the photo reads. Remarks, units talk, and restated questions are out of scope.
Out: 8:42:12
